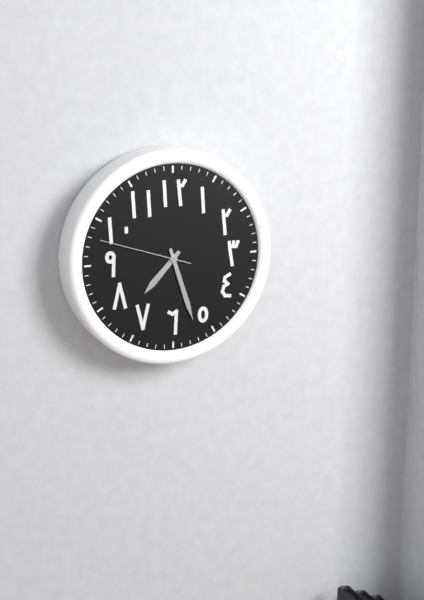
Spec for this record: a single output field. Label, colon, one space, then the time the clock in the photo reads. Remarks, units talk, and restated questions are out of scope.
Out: 7:27:48
